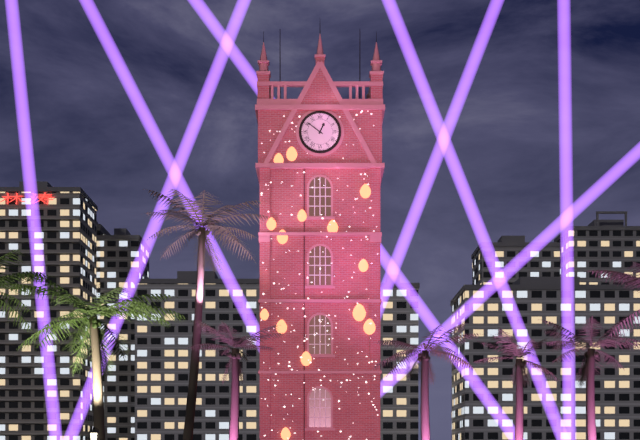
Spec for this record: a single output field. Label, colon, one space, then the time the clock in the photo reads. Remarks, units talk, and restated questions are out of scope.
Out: 12:51
